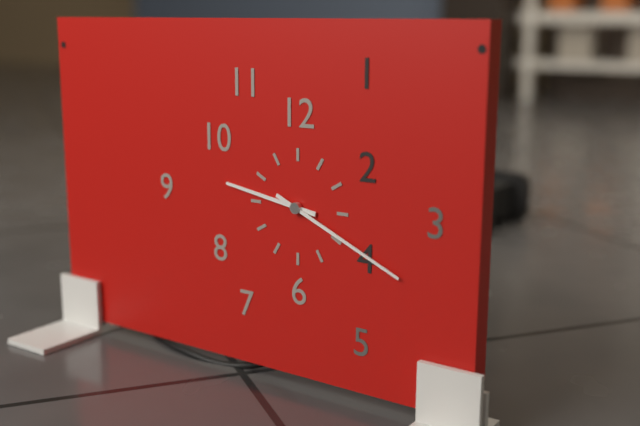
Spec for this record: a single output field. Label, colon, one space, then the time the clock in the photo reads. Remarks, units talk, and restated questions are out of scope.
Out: 9:19
